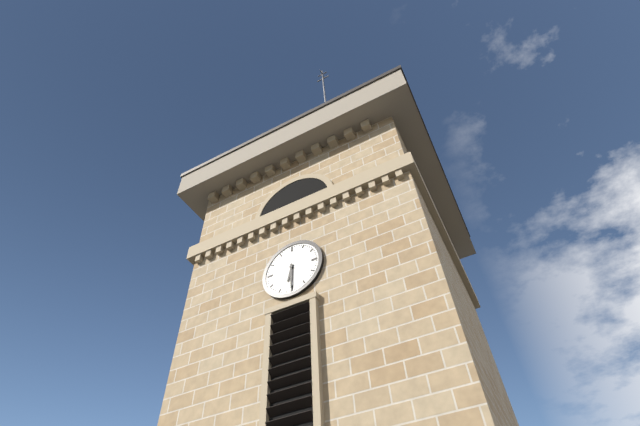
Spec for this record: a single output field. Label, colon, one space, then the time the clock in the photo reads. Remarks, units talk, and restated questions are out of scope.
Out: 6:30
